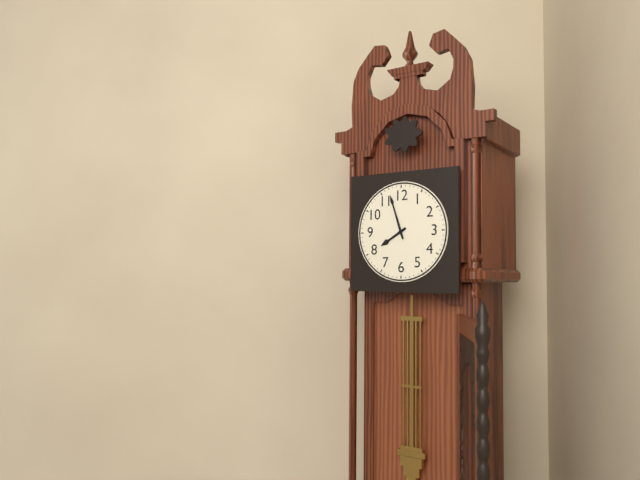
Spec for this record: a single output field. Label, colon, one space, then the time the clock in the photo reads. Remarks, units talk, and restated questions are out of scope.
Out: 7:57
